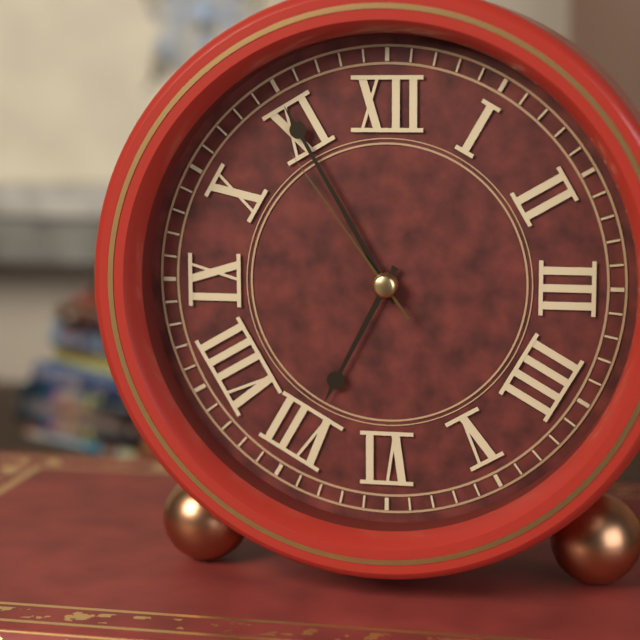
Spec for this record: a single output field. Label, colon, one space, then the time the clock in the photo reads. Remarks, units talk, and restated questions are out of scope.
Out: 6:55:54
